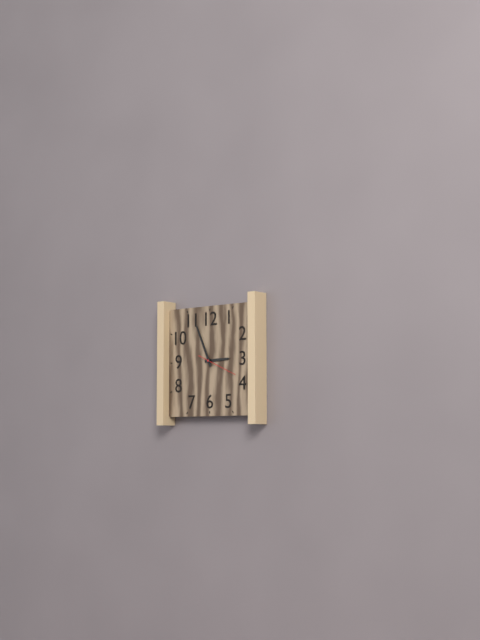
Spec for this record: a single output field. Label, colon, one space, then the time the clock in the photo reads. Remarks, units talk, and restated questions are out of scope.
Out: 2:56
